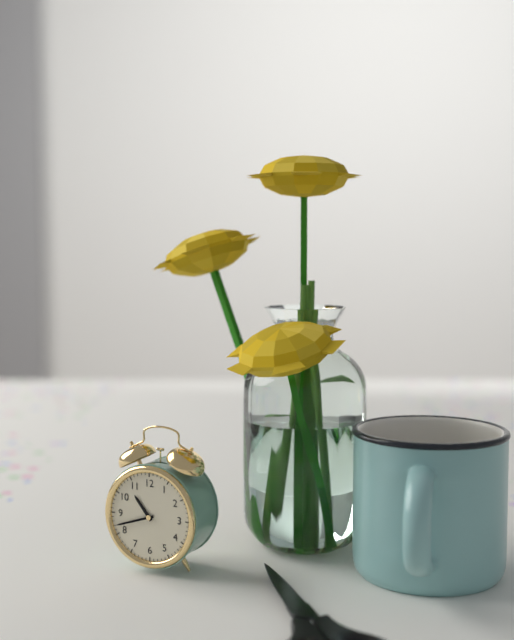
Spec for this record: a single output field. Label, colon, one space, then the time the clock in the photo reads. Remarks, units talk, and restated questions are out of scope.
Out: 10:42
